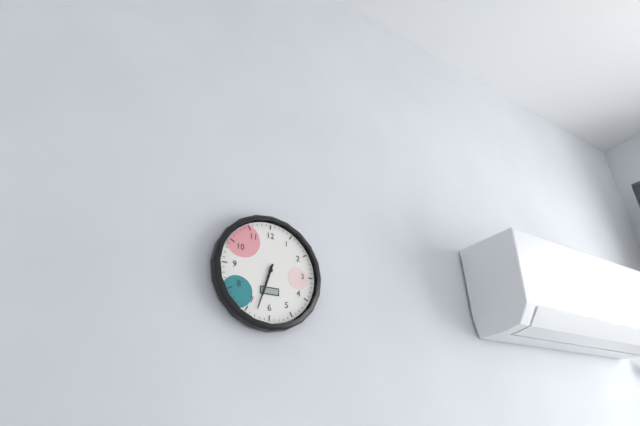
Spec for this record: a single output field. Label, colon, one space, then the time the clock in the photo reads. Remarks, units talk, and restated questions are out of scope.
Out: 6:33
